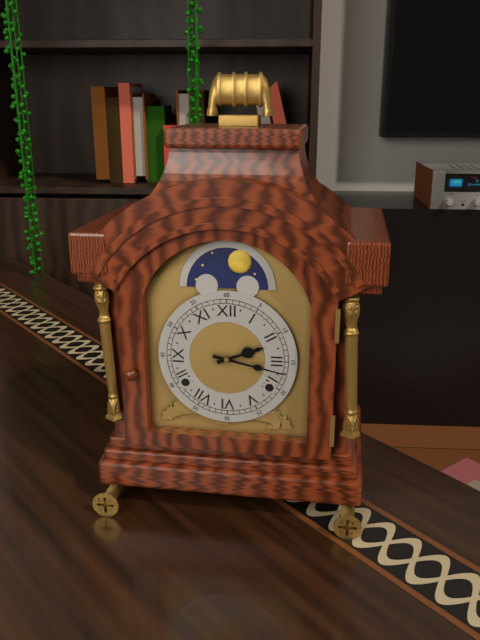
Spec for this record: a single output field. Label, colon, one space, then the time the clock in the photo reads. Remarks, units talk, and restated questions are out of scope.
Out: 2:17
